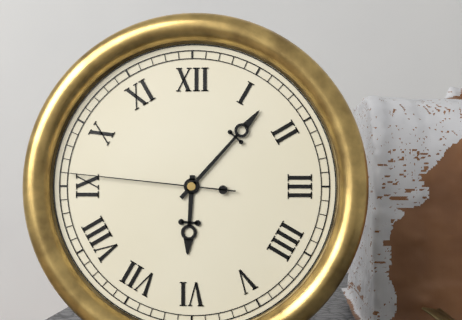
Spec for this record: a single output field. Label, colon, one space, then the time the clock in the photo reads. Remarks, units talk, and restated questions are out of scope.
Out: 6:07:46
